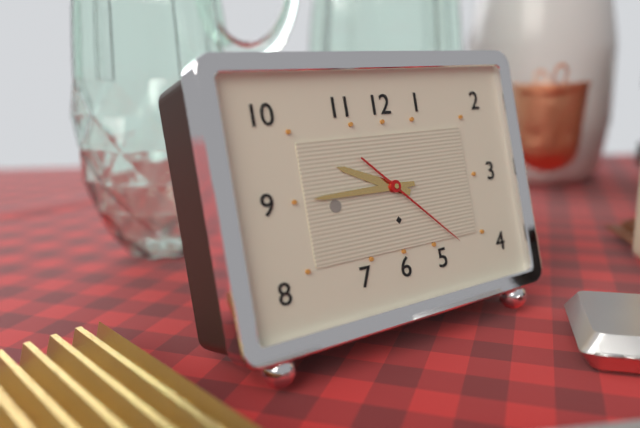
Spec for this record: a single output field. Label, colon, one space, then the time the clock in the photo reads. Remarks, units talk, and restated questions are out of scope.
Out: 9:45:22
